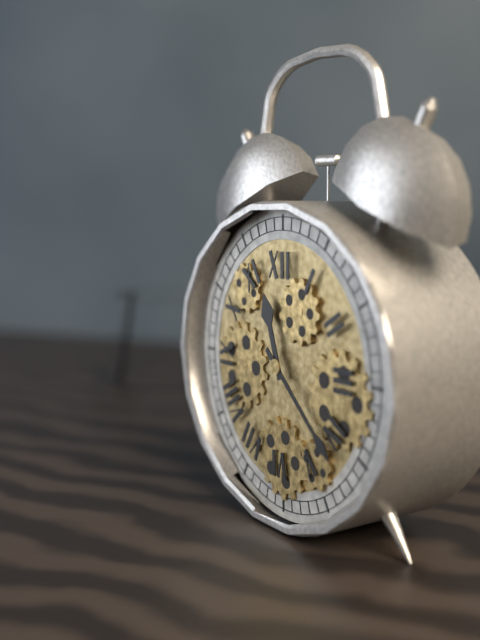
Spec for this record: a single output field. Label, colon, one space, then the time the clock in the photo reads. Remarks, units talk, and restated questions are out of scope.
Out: 11:22
